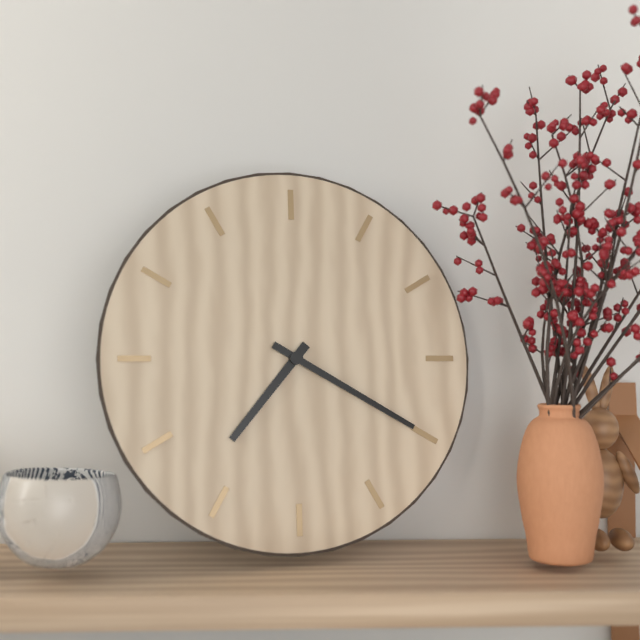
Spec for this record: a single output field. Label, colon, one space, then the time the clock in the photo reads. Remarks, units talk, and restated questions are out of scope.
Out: 7:20
